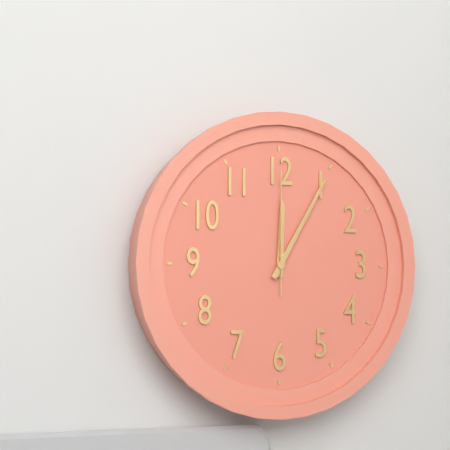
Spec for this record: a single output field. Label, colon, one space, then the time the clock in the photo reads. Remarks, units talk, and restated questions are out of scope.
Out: 12:05:00
